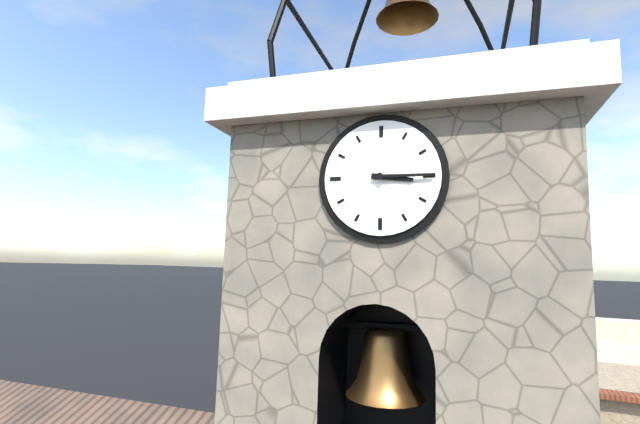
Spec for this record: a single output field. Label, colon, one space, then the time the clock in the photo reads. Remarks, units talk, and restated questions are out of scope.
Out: 3:15
